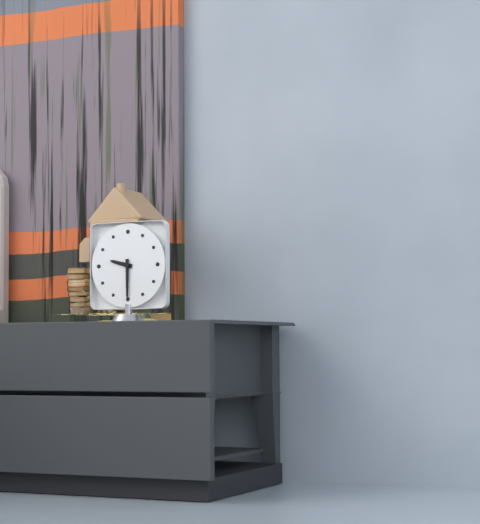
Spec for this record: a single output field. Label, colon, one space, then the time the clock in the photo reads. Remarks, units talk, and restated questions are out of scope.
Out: 9:30
